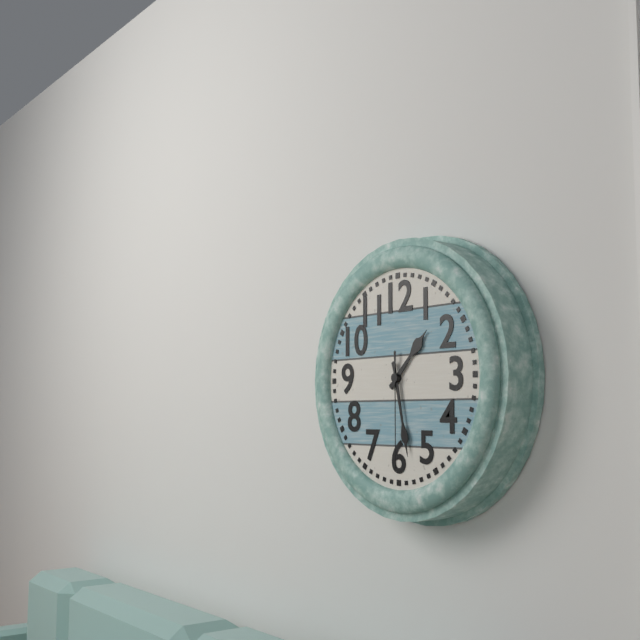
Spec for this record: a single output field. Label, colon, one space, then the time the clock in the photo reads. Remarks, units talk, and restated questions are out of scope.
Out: 1:28:30
